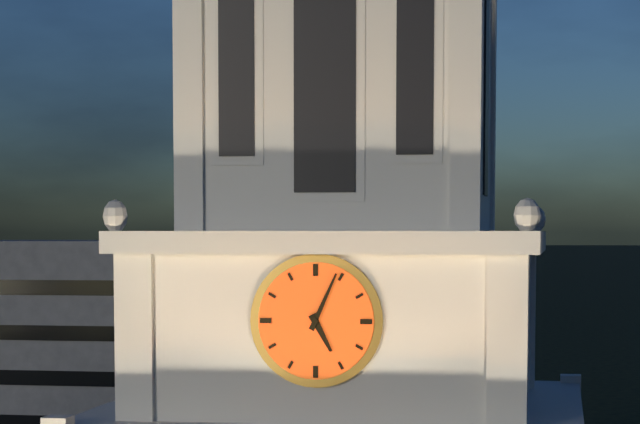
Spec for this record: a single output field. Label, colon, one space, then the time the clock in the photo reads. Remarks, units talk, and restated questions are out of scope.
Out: 5:04
